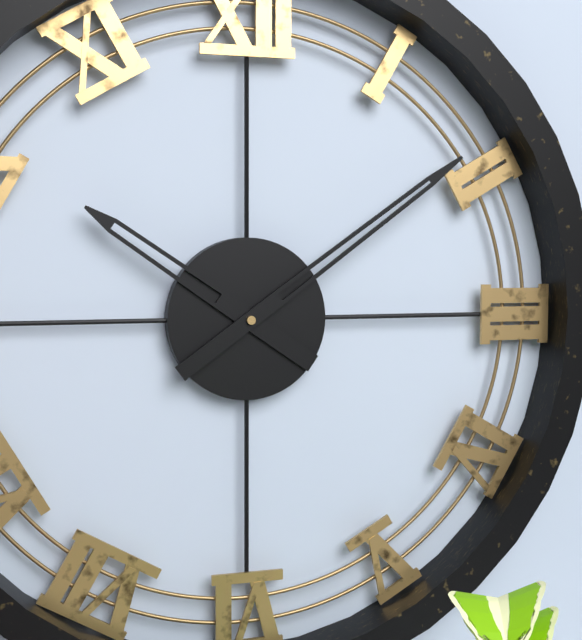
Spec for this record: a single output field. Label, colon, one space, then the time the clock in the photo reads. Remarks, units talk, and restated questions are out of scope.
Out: 10:09
